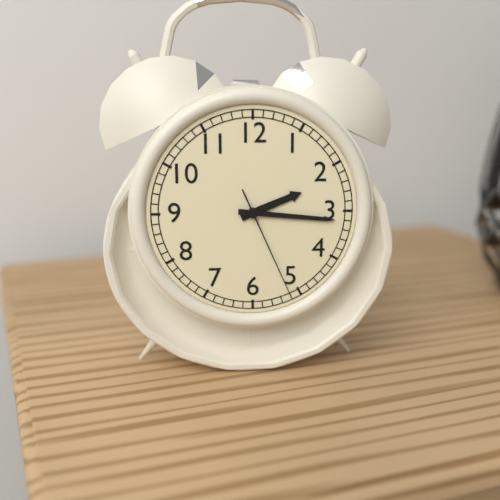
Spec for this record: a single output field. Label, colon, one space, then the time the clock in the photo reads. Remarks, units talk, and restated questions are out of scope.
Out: 2:16:26
